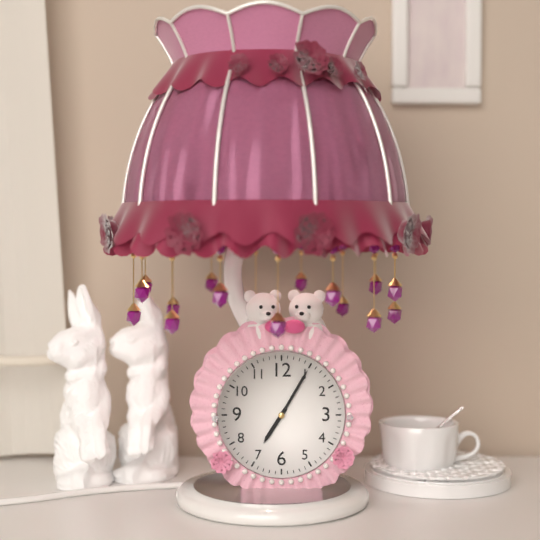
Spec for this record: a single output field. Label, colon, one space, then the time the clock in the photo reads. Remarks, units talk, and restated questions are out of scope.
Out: 7:05
